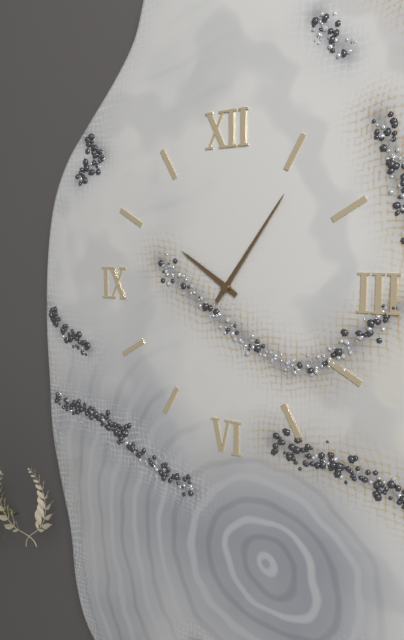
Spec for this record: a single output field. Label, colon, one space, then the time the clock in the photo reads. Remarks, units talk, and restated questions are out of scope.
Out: 10:06
